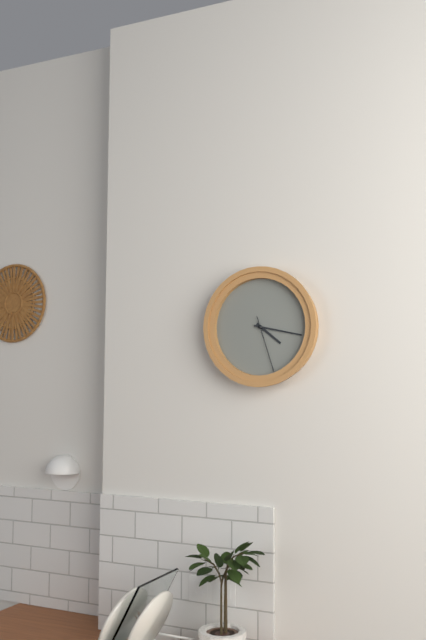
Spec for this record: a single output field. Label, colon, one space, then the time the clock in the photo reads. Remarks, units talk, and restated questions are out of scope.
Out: 4:17:27
